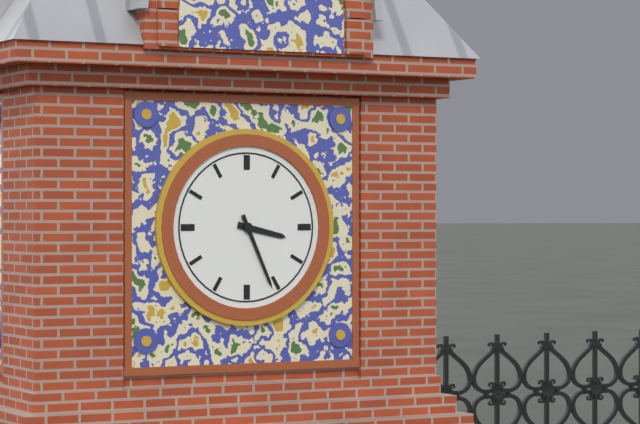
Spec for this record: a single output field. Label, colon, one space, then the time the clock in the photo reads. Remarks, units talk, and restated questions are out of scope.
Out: 3:26
